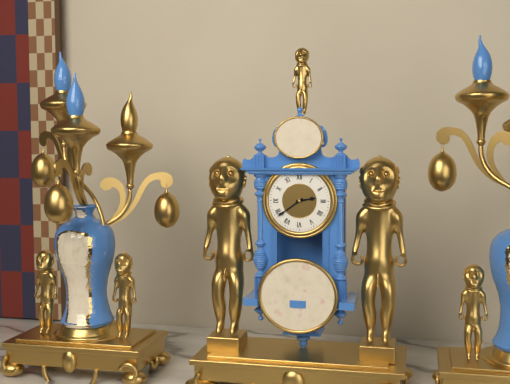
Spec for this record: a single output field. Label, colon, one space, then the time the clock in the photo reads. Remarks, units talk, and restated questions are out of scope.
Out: 2:39
